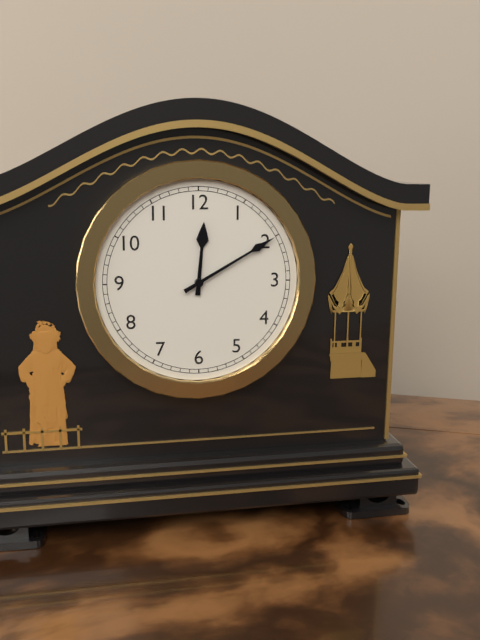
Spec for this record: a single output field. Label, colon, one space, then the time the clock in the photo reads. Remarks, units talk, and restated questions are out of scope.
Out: 12:10
